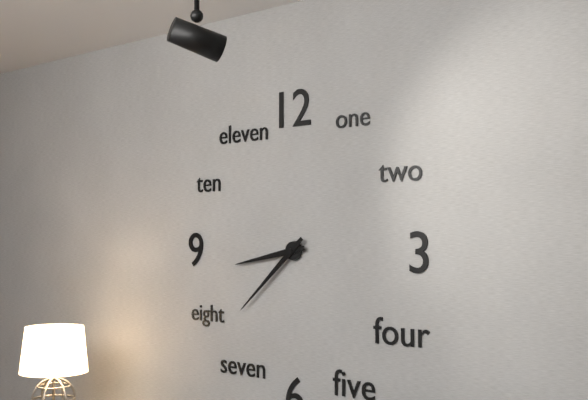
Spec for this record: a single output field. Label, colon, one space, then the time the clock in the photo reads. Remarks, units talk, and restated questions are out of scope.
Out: 8:38
